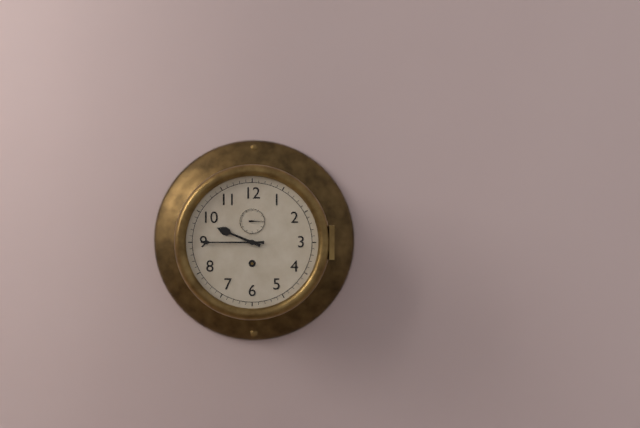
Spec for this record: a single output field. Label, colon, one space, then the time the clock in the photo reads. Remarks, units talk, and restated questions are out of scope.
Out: 9:45
